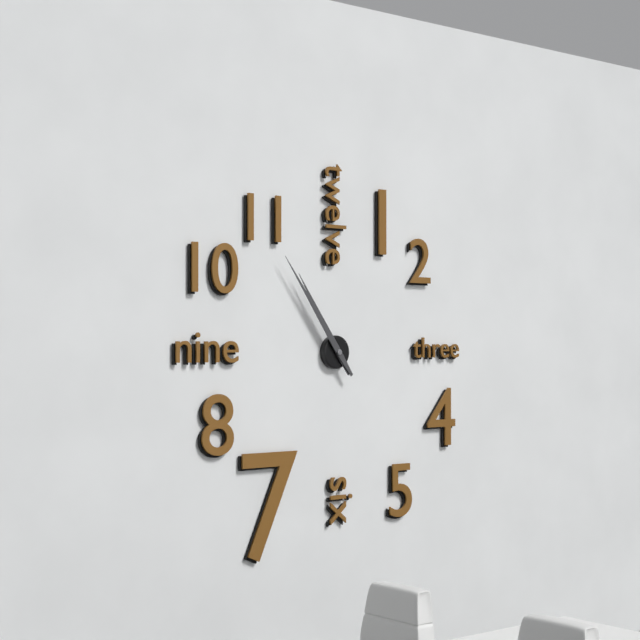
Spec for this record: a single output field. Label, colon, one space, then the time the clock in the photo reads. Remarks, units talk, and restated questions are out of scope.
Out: 10:54
